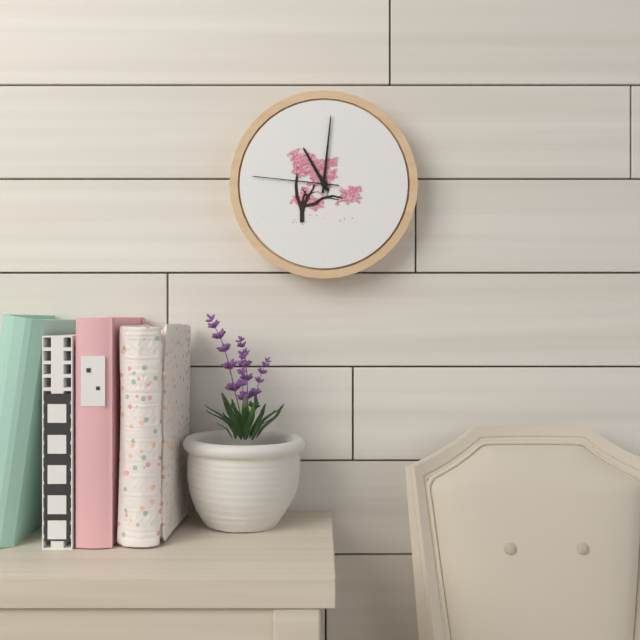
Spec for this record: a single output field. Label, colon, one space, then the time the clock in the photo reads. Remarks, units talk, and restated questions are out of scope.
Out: 11:01:46
